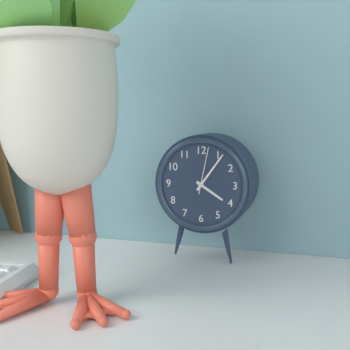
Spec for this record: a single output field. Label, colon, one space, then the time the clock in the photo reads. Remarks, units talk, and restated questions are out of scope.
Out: 4:06
